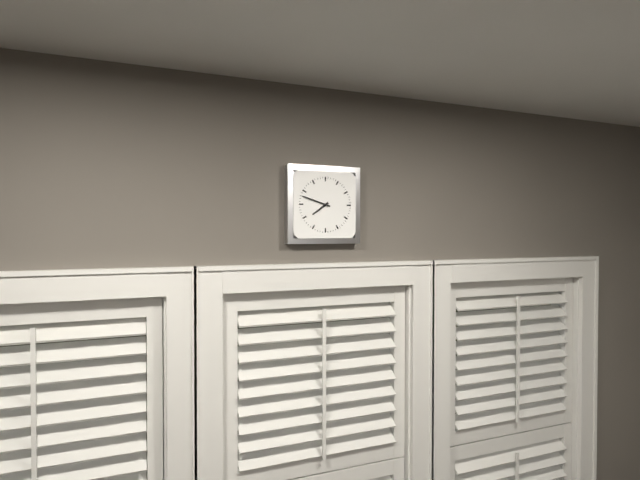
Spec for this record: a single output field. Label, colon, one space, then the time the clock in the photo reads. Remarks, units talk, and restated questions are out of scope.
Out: 7:48
